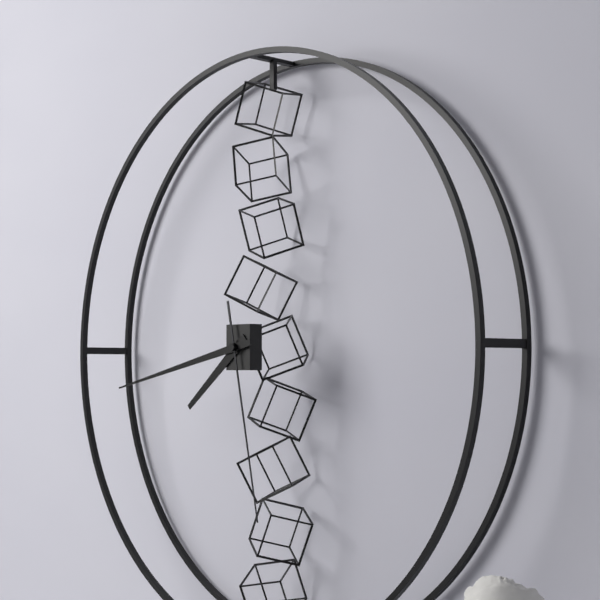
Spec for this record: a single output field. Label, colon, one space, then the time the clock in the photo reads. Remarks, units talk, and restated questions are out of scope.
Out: 7:43:28
